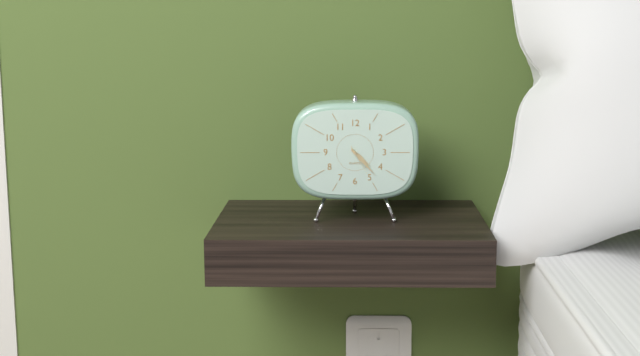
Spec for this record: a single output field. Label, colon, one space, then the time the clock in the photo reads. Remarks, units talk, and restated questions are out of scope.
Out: 4:23
